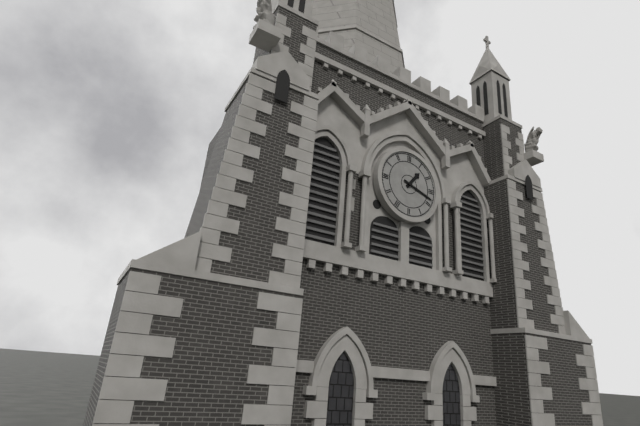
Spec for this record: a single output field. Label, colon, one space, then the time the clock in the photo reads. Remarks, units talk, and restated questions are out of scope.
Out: 1:18
